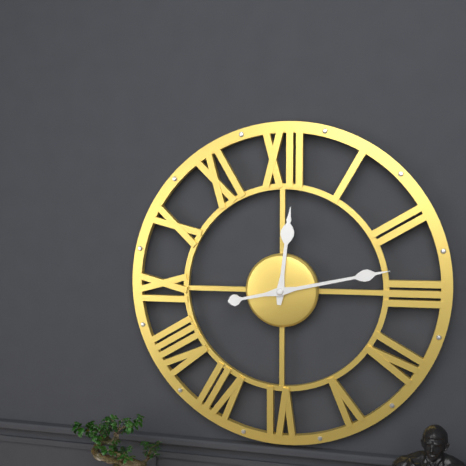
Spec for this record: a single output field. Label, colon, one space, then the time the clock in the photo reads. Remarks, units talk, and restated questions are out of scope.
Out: 12:13
